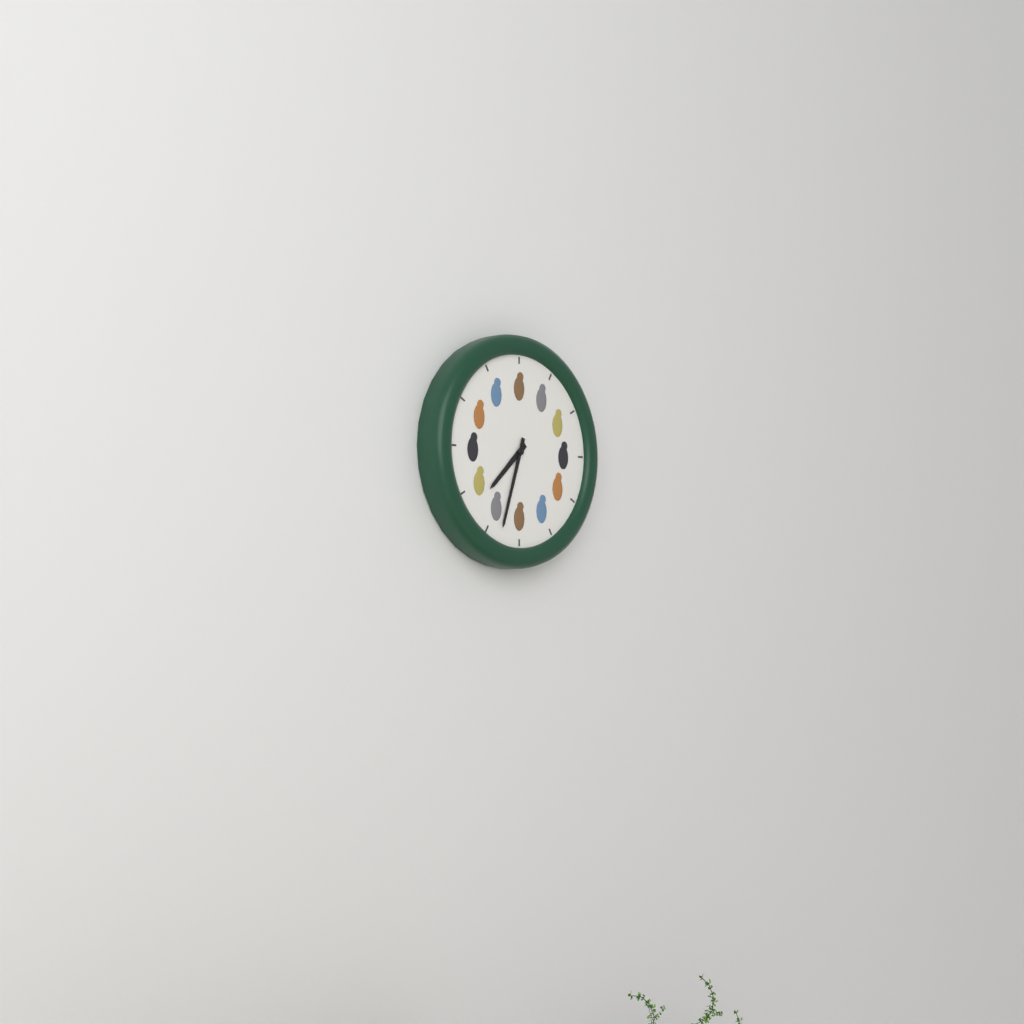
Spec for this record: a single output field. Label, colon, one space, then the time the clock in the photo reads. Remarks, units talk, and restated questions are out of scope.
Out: 7:33
